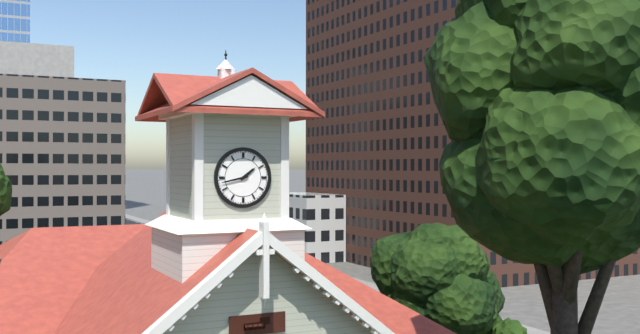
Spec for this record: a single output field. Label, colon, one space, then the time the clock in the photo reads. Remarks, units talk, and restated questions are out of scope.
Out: 1:43
